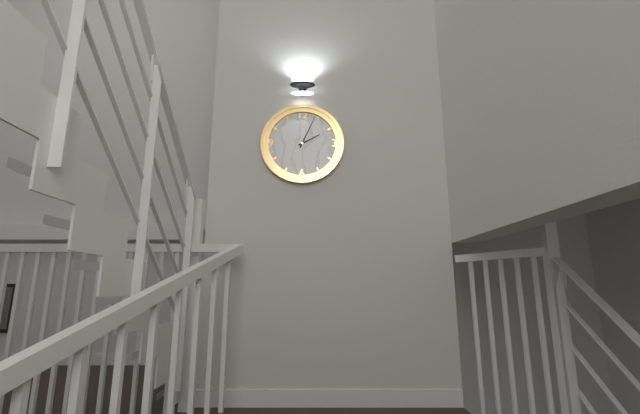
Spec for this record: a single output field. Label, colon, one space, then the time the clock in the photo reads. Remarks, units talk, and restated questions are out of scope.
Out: 2:04
